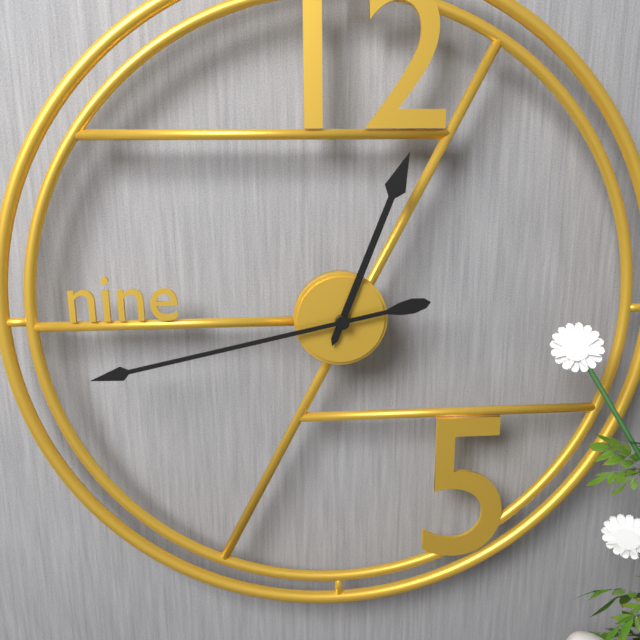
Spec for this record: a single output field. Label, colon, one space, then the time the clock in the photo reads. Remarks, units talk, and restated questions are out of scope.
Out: 12:43
